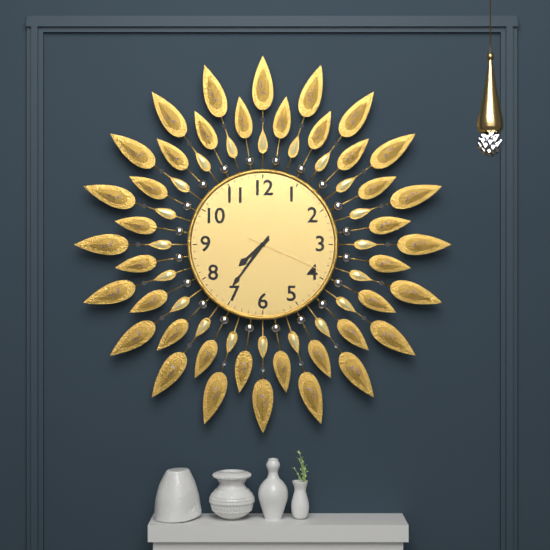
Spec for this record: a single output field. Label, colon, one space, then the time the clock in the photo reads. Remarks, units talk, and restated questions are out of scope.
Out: 7:36:19
